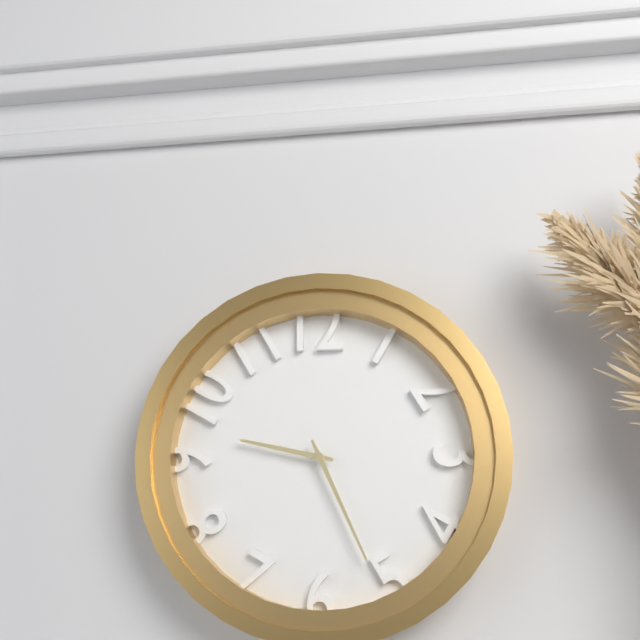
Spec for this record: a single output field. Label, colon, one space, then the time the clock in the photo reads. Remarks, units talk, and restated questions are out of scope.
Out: 9:26
